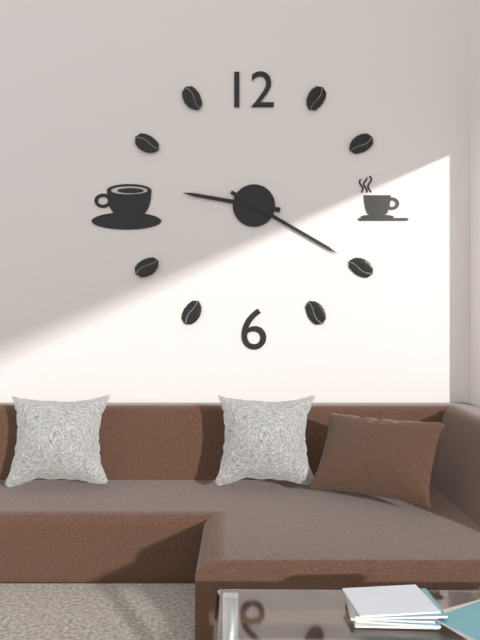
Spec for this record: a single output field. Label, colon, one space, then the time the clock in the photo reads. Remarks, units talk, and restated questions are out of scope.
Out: 9:20
